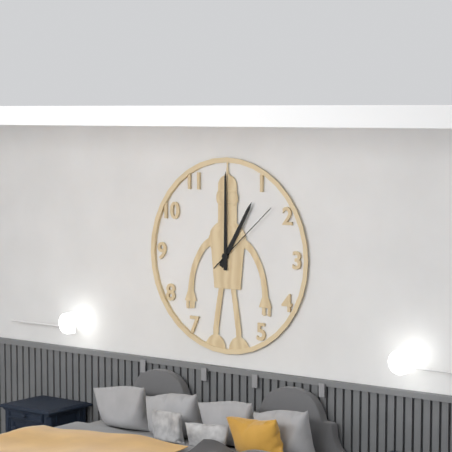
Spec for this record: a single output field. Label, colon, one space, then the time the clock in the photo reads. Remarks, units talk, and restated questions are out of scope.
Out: 1:00:08
